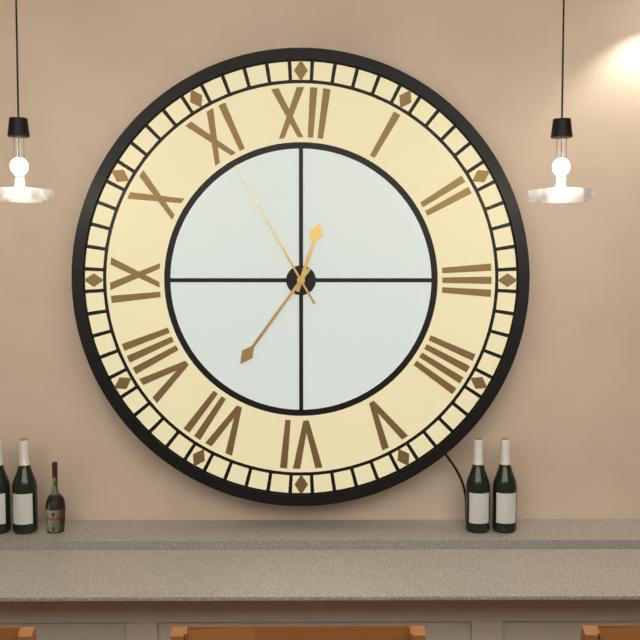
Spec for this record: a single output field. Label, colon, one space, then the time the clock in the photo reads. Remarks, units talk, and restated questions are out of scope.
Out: 12:36:55
